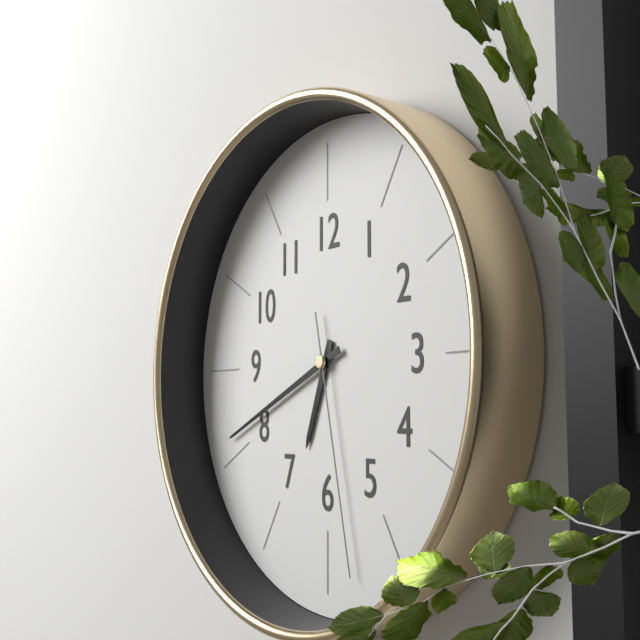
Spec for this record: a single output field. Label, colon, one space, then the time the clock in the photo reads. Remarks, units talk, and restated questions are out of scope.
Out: 6:41:28
